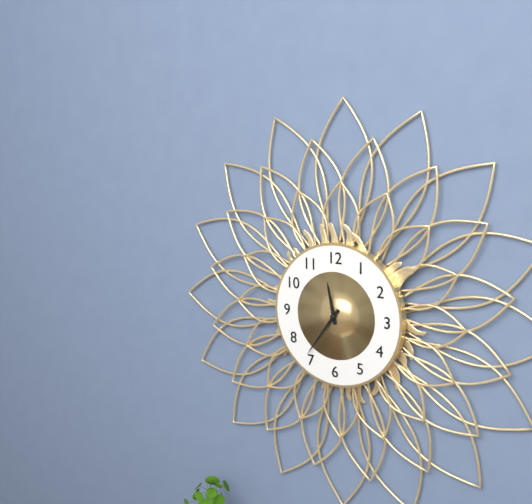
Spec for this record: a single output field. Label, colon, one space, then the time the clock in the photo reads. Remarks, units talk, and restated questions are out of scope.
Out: 11:36
